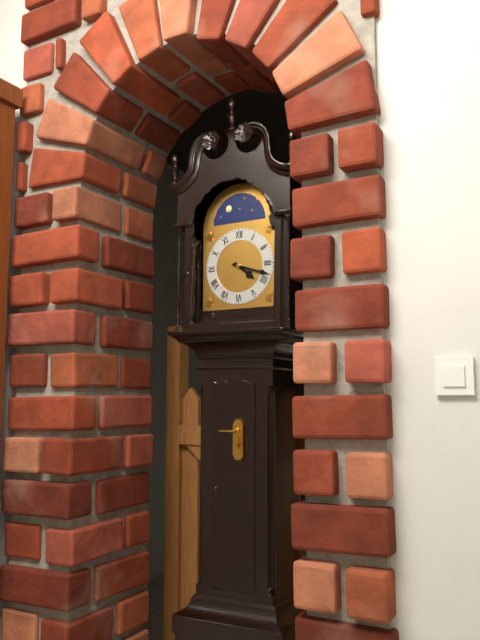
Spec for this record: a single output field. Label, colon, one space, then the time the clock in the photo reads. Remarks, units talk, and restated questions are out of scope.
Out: 4:18
